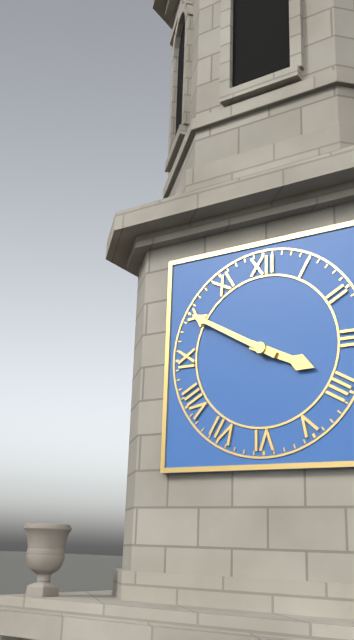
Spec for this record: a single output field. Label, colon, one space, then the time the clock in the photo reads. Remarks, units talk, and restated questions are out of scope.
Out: 3:50
